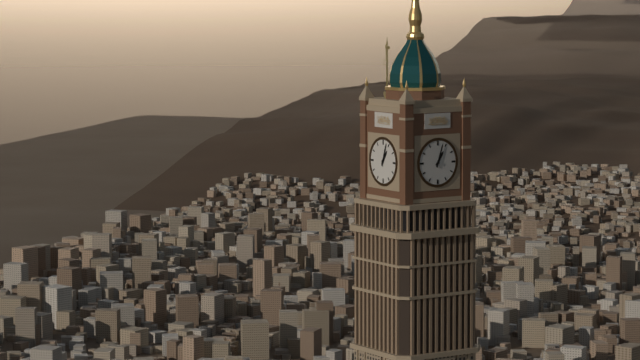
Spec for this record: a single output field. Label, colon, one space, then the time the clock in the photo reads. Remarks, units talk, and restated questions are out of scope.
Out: 1:03
